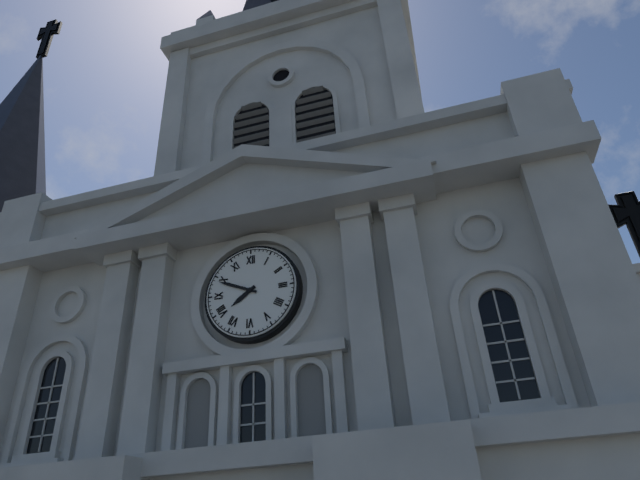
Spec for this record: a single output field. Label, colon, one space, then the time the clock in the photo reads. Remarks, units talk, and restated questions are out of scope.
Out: 7:49
